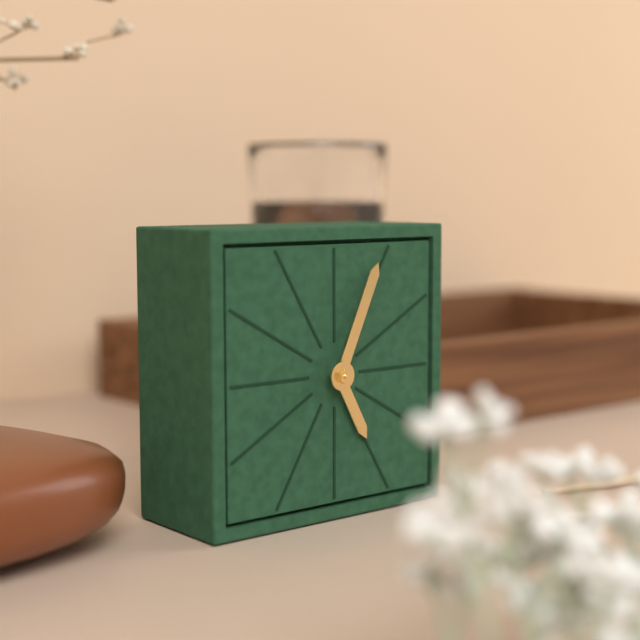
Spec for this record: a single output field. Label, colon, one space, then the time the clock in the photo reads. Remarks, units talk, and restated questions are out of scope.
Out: 5:04
